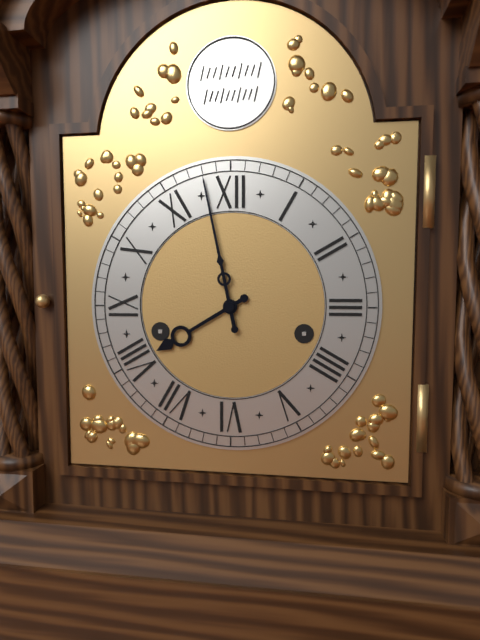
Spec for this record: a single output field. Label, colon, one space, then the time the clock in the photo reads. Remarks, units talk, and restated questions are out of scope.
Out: 7:58
